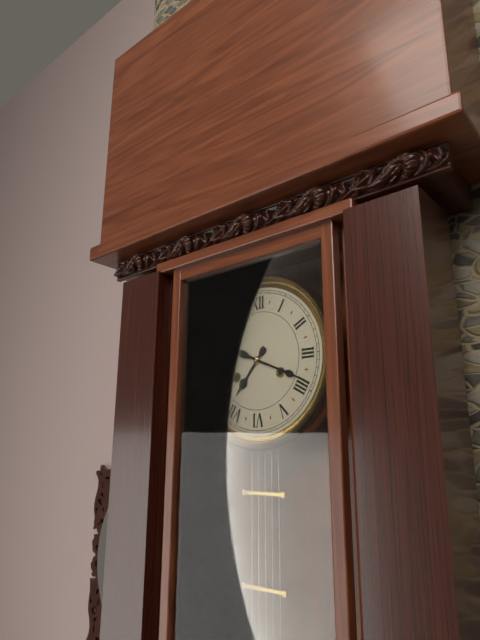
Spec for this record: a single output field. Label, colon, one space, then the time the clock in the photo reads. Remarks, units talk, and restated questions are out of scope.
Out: 7:19
